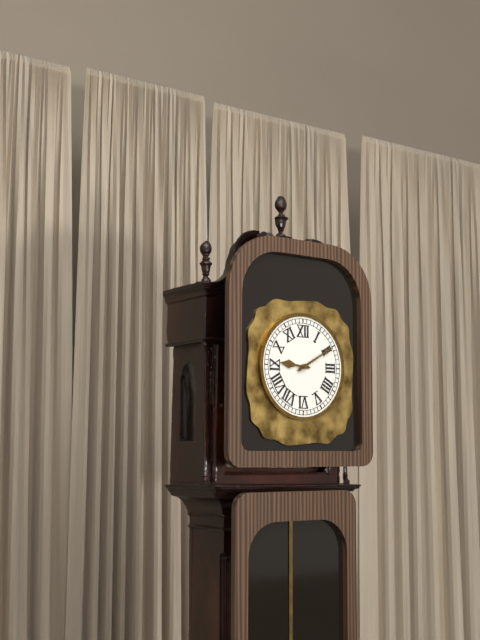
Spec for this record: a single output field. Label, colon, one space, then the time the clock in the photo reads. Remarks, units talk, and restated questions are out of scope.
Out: 9:10
